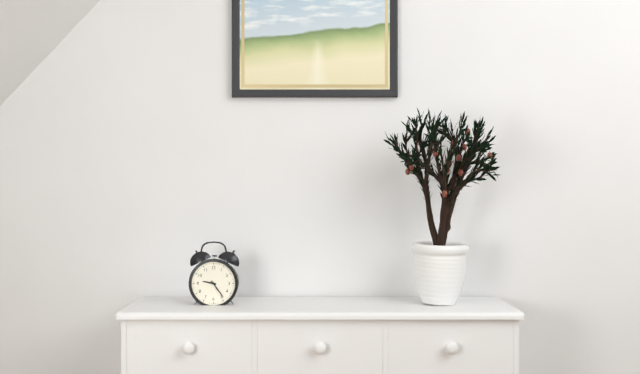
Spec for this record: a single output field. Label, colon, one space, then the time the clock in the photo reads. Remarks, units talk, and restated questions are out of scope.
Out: 9:24
